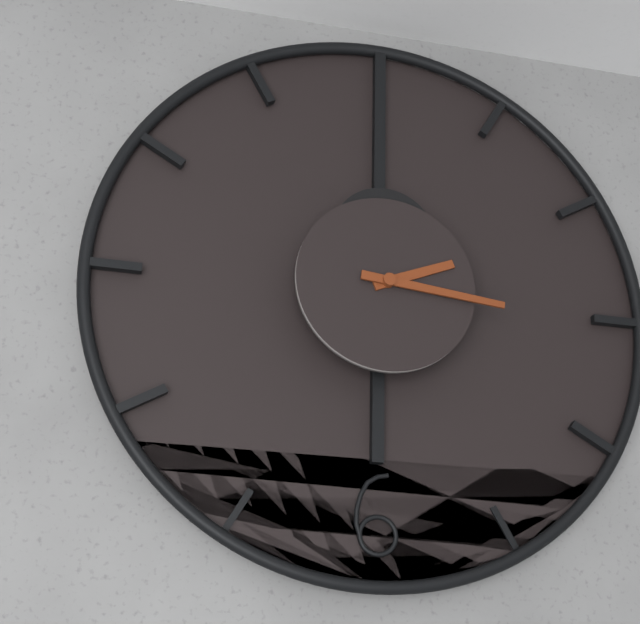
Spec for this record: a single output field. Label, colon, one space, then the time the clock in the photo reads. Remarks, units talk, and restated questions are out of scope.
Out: 2:16
